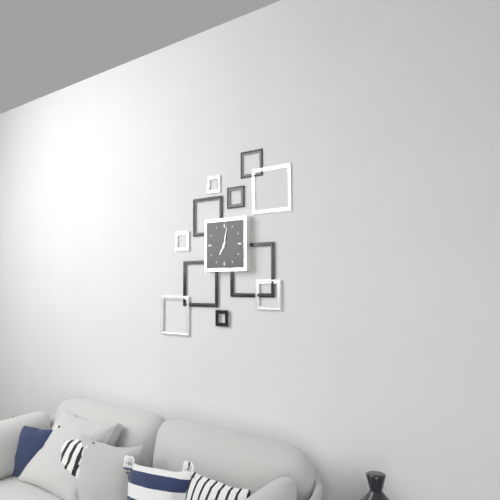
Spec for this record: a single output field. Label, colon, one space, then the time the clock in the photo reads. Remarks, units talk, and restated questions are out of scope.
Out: 7:02
